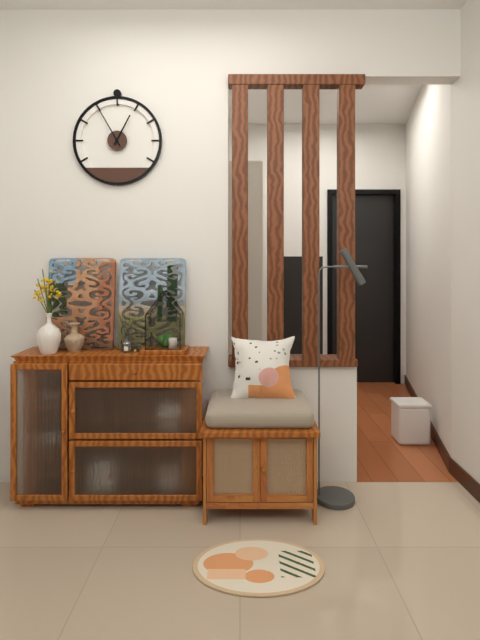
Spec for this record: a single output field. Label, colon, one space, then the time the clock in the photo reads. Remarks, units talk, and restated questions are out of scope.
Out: 12:55
